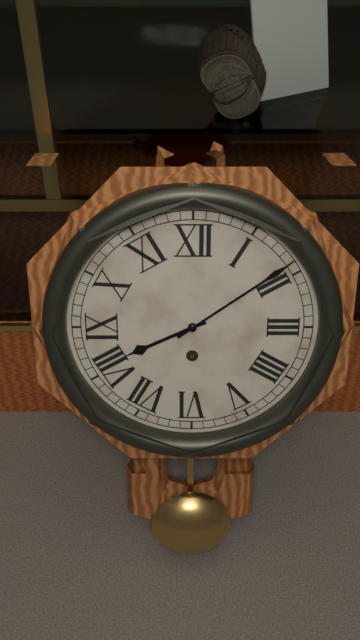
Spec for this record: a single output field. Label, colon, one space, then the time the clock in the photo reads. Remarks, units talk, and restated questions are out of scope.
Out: 8:09
